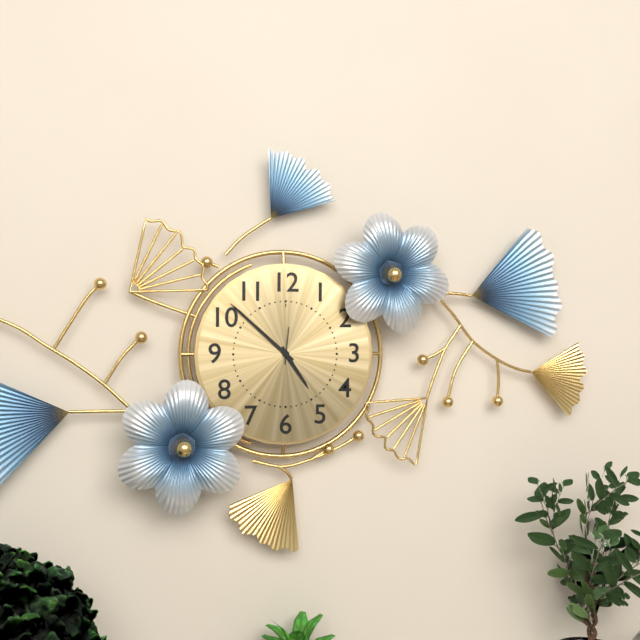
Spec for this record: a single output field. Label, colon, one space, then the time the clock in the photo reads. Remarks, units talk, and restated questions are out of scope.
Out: 4:52
